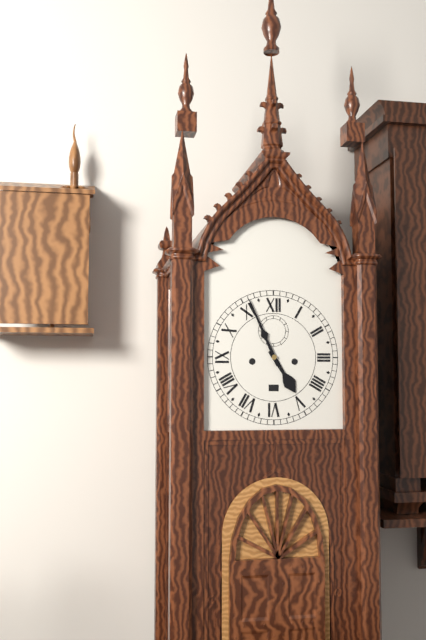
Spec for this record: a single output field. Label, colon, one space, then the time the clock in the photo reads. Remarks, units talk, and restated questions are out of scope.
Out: 4:56
